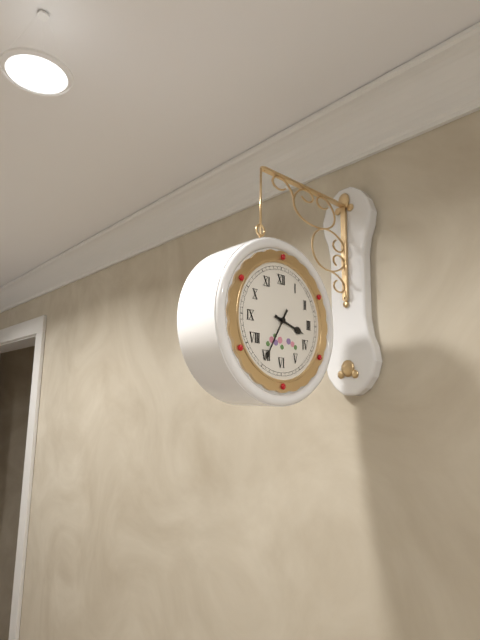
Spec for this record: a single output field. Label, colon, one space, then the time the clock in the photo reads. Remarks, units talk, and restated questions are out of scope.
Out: 3:35
